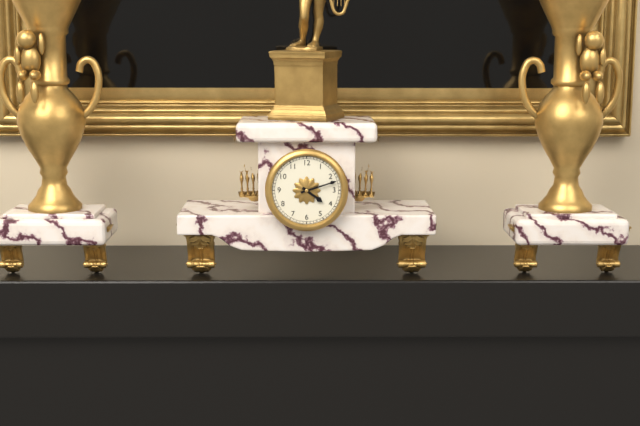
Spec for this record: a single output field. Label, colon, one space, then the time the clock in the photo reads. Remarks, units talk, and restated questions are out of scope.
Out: 4:12
